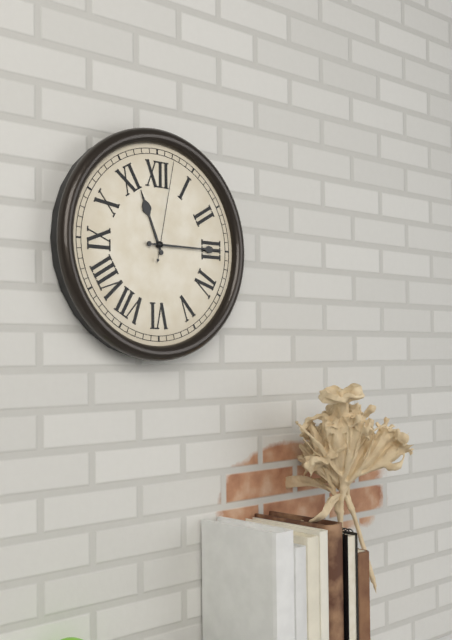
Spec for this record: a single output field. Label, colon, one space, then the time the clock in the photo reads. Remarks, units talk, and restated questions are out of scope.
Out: 11:15:02
